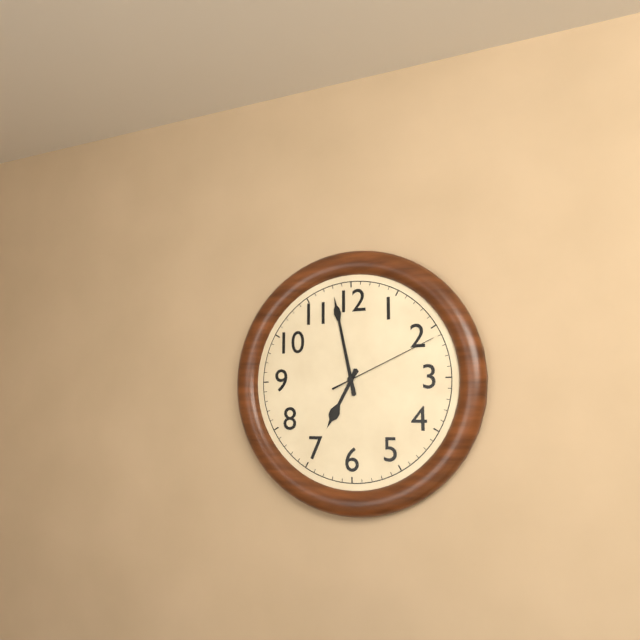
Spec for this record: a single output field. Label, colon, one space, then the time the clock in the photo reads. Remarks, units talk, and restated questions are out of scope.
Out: 6:58:11
